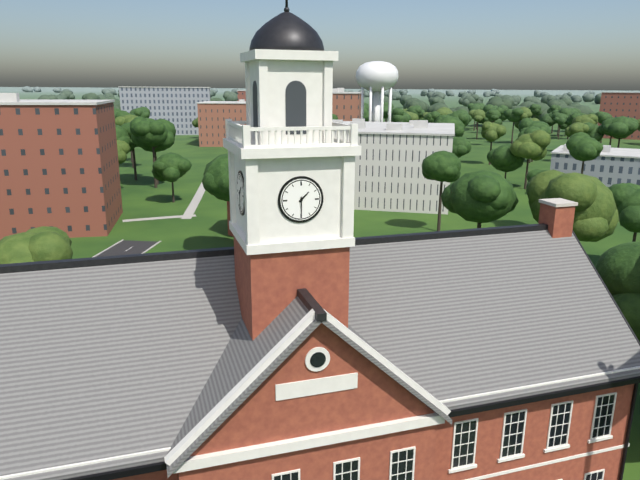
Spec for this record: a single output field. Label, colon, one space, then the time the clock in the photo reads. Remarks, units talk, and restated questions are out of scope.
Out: 1:30
